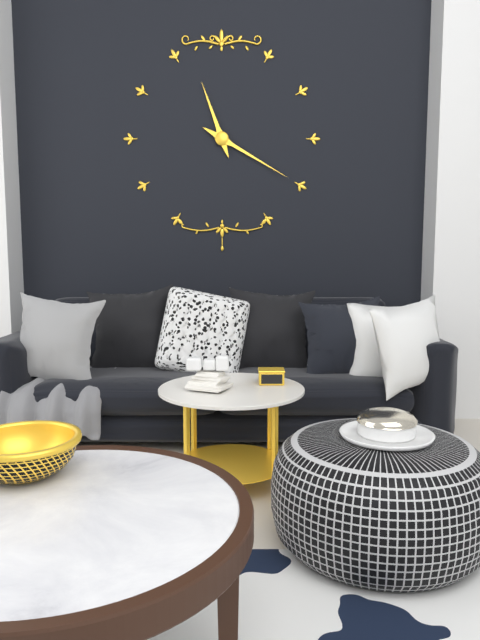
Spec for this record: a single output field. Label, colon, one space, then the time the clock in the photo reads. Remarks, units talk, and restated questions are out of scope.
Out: 11:20
